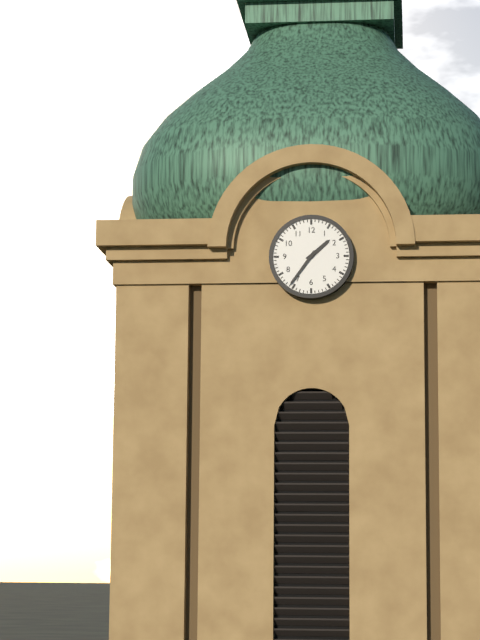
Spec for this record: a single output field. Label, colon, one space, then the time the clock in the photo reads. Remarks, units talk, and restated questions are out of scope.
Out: 1:36
